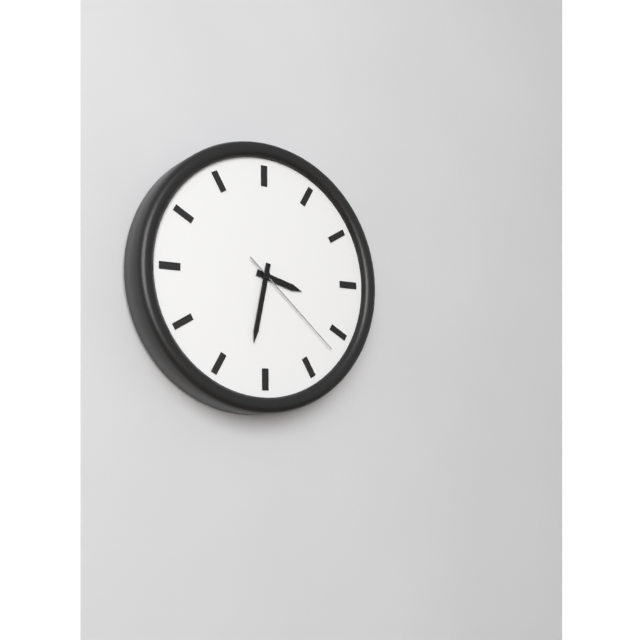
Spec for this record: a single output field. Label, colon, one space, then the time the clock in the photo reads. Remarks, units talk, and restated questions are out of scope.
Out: 3:32:22
